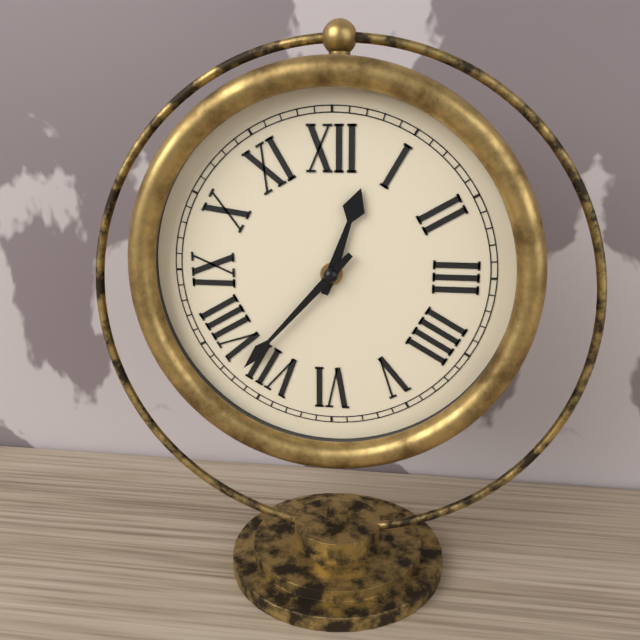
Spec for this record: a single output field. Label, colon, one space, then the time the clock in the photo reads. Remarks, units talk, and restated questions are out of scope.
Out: 12:37
